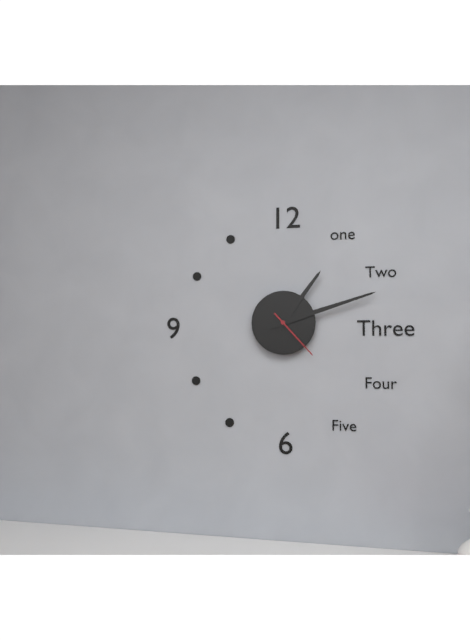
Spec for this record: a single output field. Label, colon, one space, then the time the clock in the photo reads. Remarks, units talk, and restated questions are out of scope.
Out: 1:12:23
